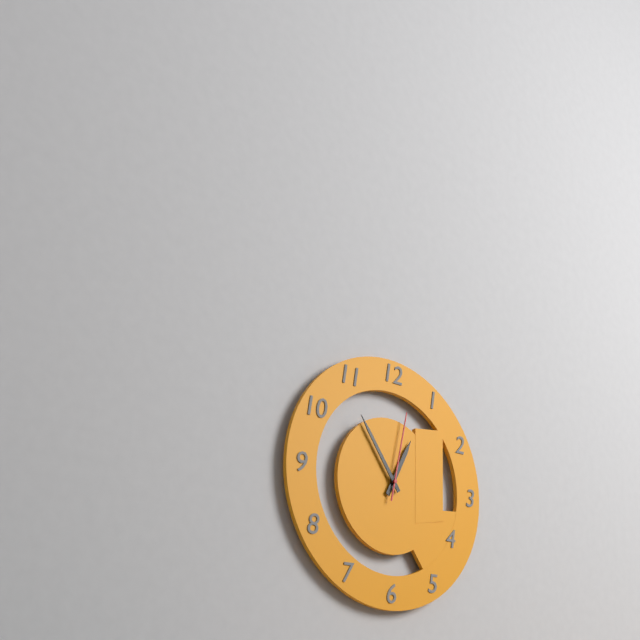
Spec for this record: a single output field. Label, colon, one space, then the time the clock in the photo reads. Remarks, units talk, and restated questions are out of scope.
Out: 12:54:02
